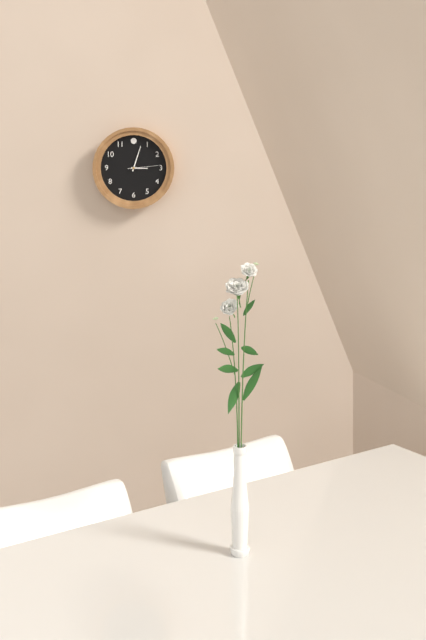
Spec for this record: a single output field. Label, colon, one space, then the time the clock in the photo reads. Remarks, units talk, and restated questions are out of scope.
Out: 3:03
